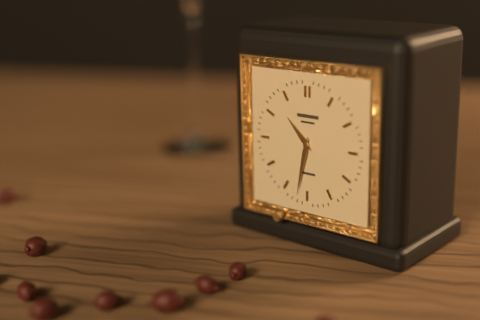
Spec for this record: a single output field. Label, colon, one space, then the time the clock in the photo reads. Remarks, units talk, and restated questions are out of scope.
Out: 10:32
